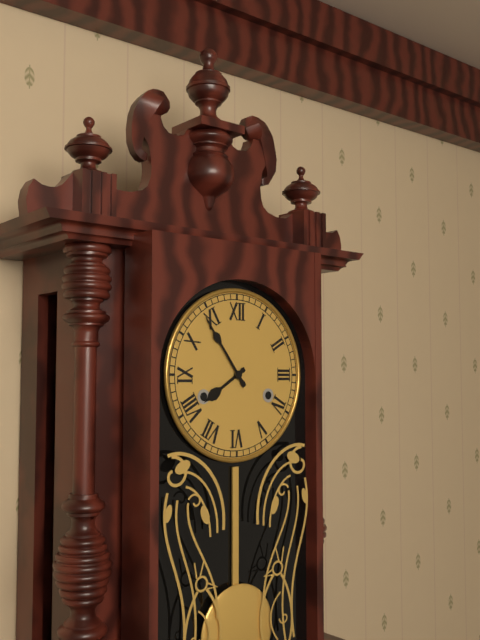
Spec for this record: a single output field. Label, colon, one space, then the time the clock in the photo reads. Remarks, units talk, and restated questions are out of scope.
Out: 7:54
